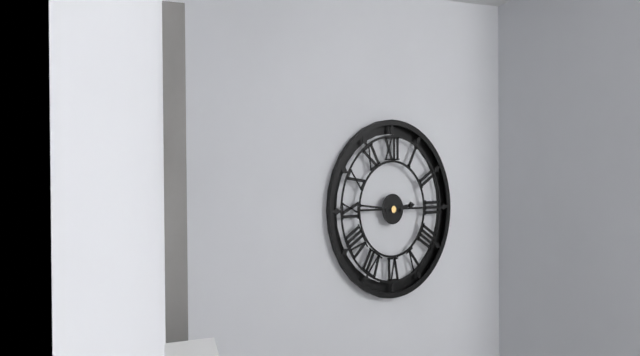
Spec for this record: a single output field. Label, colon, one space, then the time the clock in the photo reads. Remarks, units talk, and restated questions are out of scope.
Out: 2:46
